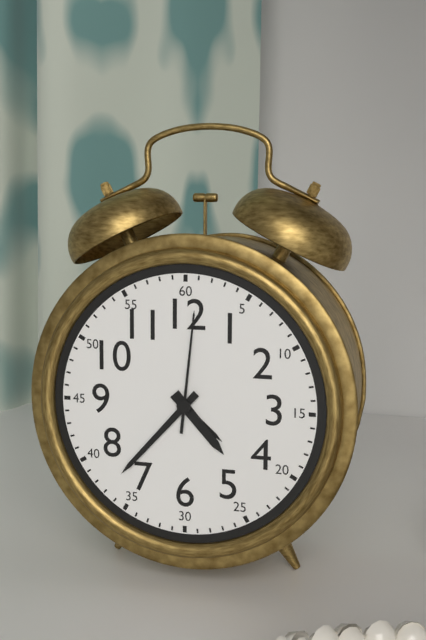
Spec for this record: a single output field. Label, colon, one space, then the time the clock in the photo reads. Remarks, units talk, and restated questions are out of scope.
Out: 4:37:01
